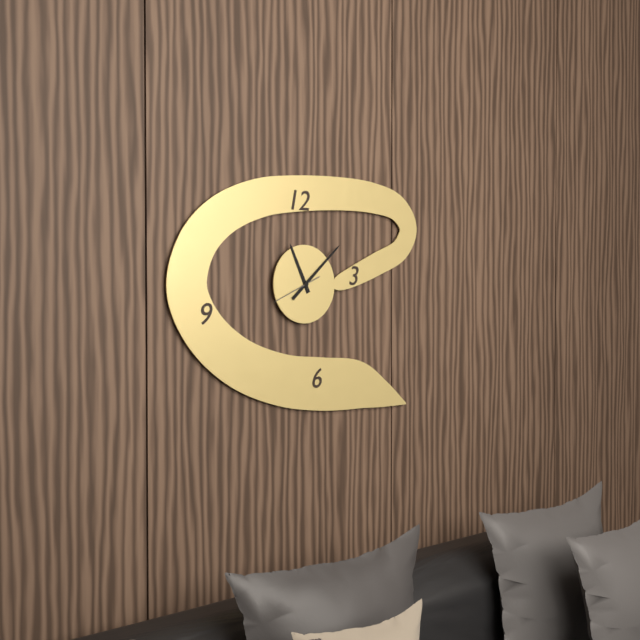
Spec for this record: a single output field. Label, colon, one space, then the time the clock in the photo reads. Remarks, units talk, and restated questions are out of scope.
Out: 11:08
